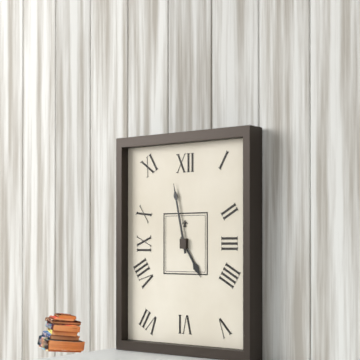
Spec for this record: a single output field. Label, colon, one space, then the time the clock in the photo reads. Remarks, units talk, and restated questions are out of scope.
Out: 4:58
